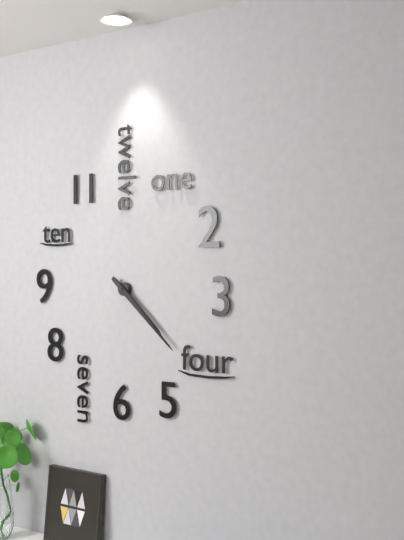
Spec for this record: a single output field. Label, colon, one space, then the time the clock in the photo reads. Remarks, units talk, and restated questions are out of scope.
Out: 4:22
